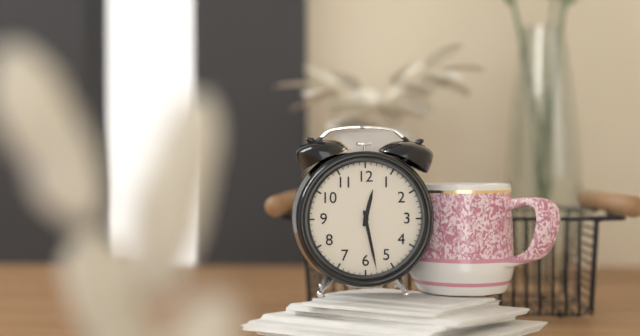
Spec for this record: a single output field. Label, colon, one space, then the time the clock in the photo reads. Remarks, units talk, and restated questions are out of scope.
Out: 12:28
